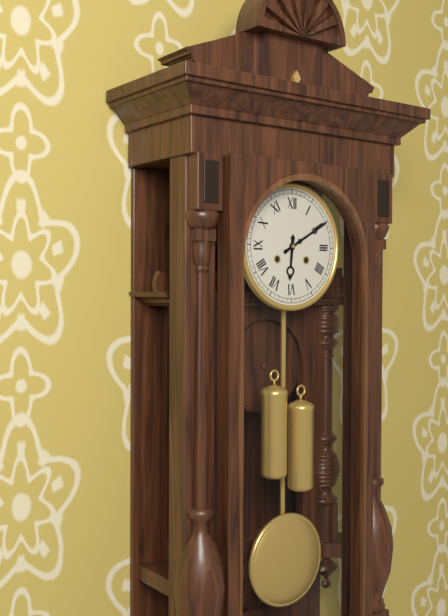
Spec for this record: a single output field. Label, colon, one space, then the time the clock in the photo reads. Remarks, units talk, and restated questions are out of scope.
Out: 6:10
